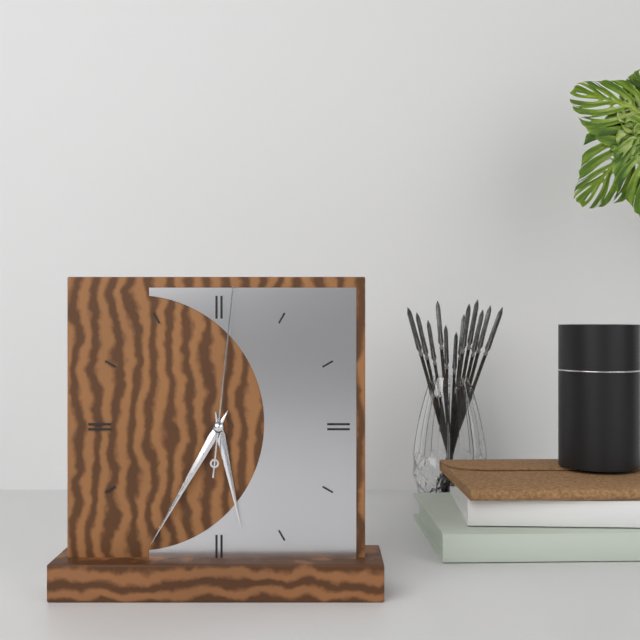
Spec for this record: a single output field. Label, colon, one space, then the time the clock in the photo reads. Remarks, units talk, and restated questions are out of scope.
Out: 5:35:01
